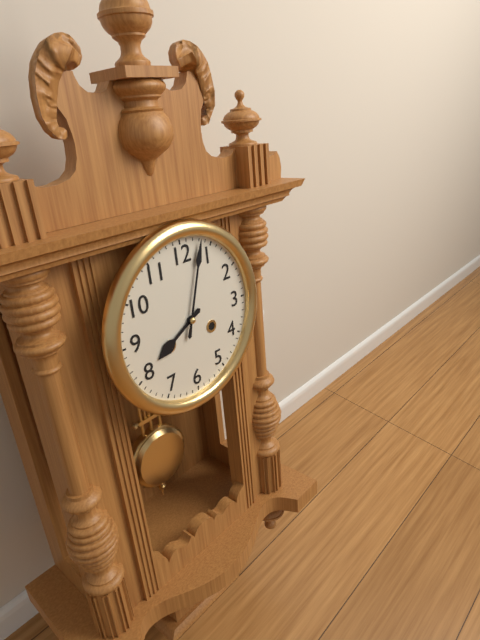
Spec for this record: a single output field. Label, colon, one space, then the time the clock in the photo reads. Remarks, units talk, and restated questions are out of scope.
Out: 8:03
